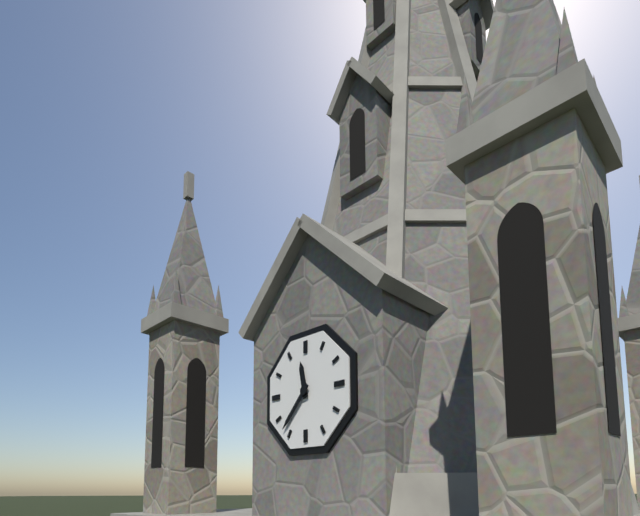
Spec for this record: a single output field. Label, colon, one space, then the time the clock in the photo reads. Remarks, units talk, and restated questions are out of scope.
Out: 11:37
